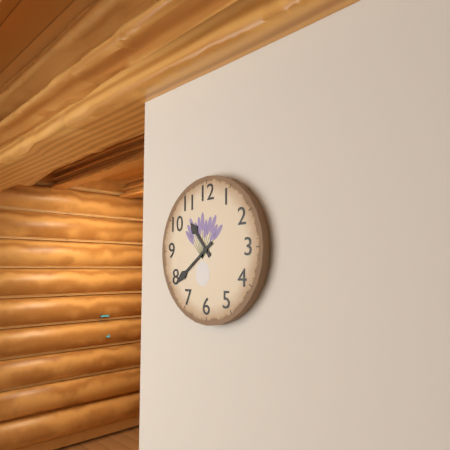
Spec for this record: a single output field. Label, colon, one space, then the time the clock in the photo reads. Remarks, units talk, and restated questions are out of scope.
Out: 10:39
